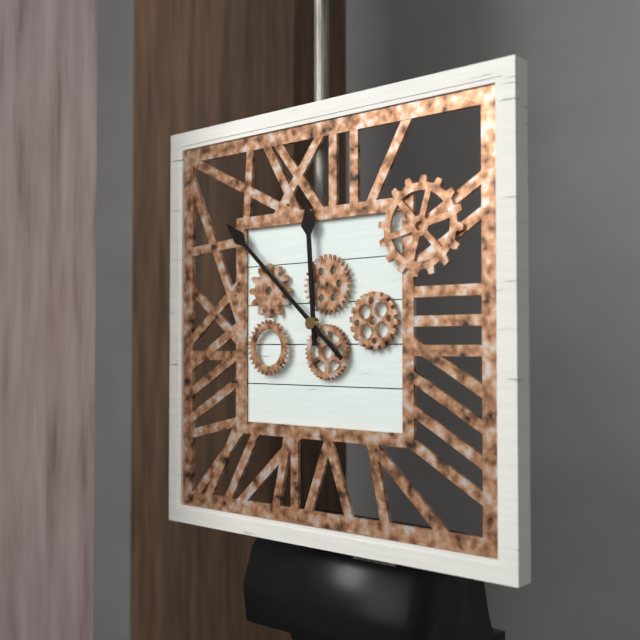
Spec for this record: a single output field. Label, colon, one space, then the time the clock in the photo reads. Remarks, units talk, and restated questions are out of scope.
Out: 11:52
